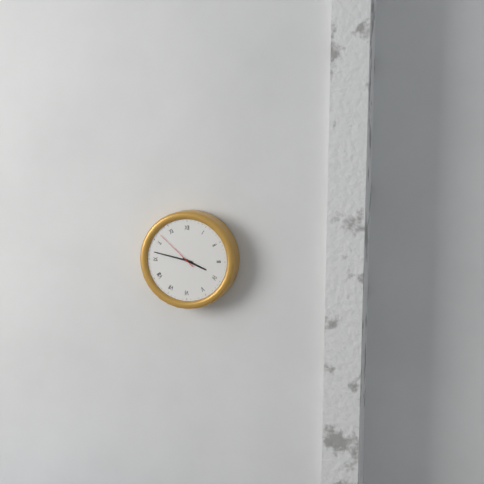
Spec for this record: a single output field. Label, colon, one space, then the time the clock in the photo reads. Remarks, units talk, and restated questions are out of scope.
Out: 3:47
